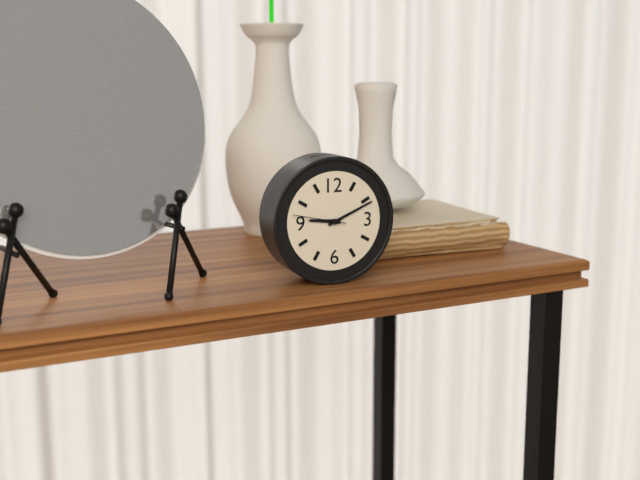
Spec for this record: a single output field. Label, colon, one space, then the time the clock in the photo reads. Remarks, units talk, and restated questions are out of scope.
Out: 9:11:47
